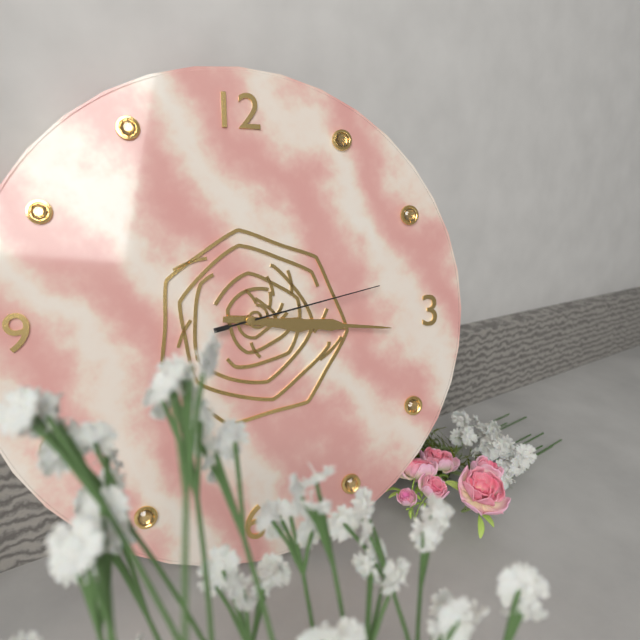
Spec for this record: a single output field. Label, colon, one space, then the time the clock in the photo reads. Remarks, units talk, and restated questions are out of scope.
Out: 3:16:13
